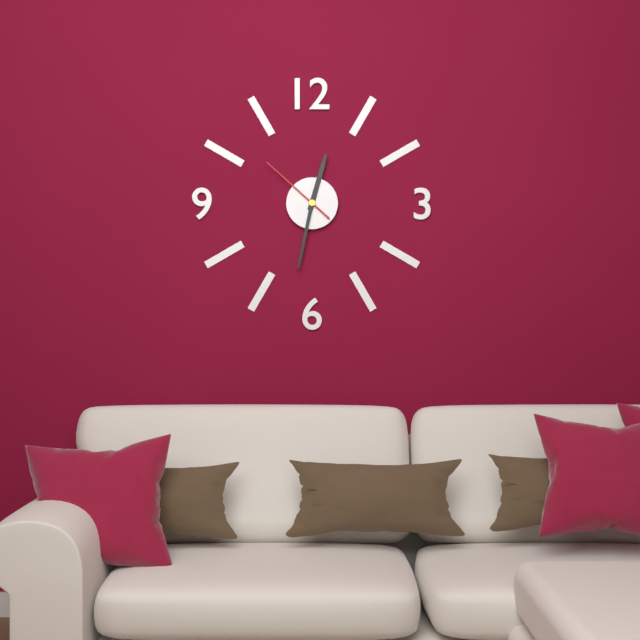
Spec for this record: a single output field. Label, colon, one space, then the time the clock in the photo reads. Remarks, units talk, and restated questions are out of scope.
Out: 12:32:52
